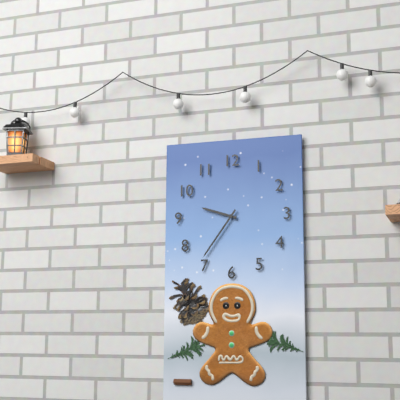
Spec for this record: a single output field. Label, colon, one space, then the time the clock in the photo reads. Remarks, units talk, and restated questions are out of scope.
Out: 9:36
